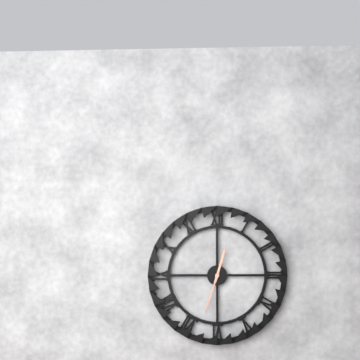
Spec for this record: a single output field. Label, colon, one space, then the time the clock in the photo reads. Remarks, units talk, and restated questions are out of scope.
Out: 12:33
